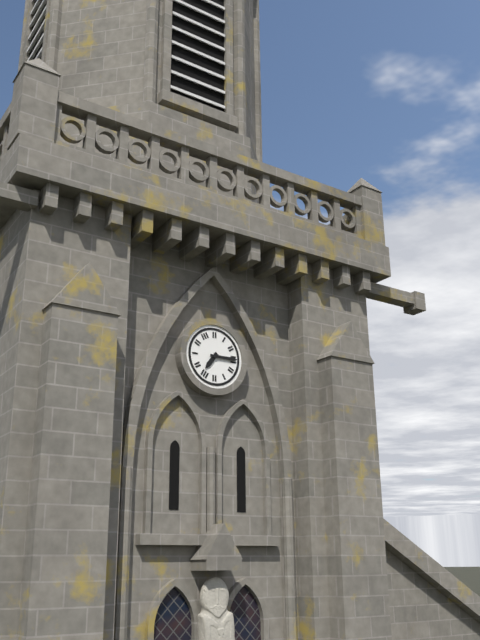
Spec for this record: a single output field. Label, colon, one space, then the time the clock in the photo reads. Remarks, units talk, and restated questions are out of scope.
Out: 7:15
